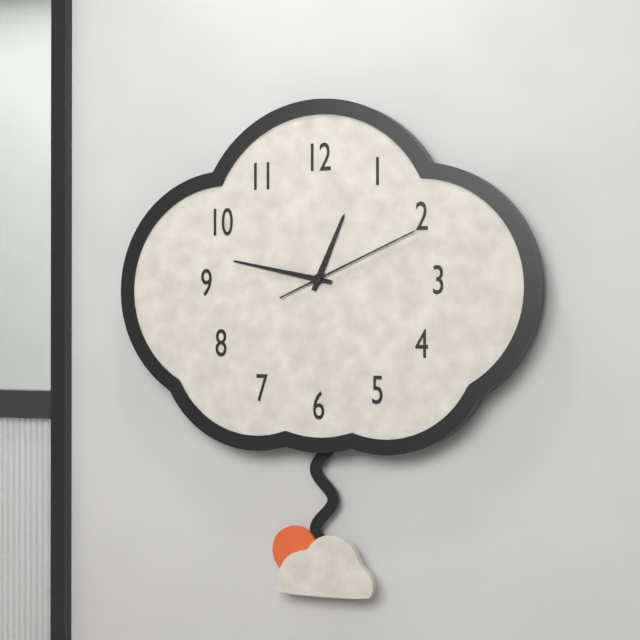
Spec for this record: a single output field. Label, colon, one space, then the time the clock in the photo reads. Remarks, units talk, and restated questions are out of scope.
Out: 12:47:11
